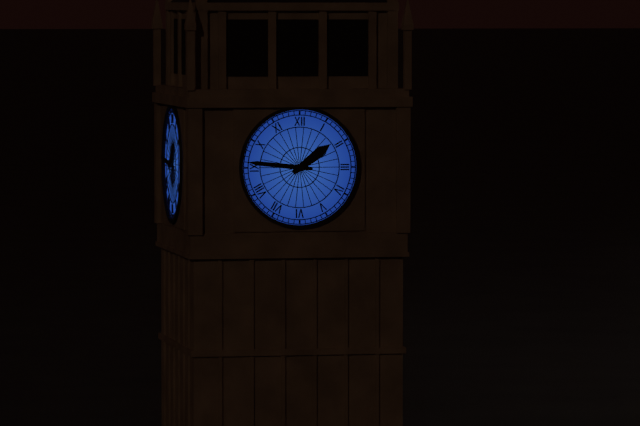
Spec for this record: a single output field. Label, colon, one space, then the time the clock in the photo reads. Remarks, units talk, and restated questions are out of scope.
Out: 1:46
